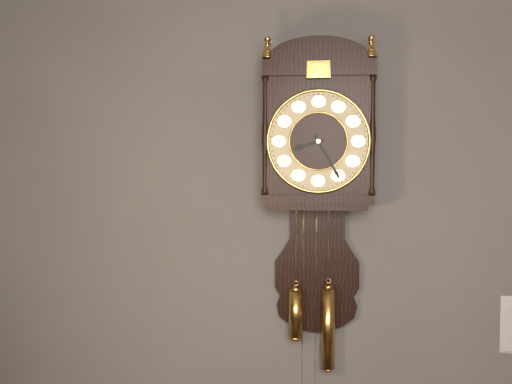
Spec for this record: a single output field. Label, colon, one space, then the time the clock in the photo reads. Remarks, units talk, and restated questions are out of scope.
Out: 8:25
